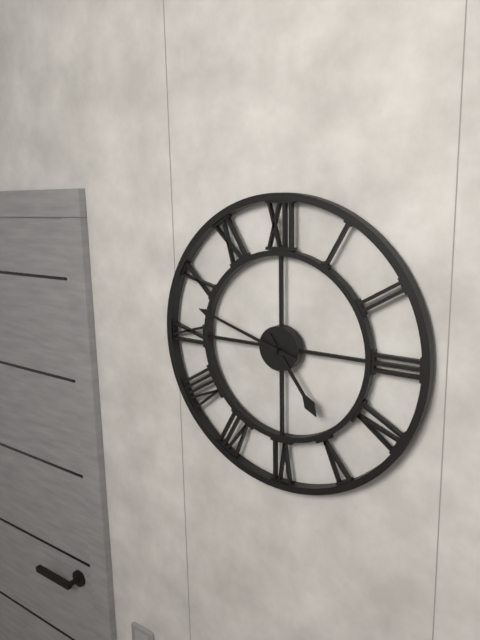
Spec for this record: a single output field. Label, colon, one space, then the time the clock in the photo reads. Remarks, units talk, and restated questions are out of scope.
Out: 4:48
